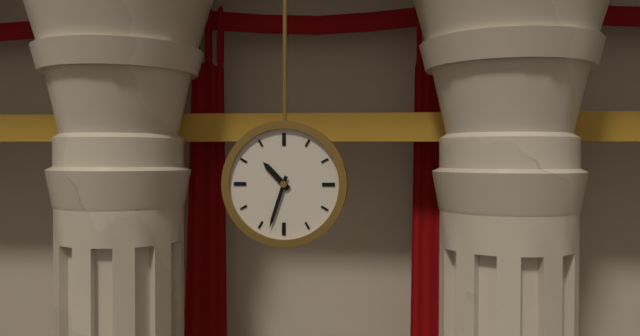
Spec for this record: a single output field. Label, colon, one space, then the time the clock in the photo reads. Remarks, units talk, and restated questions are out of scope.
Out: 10:33
